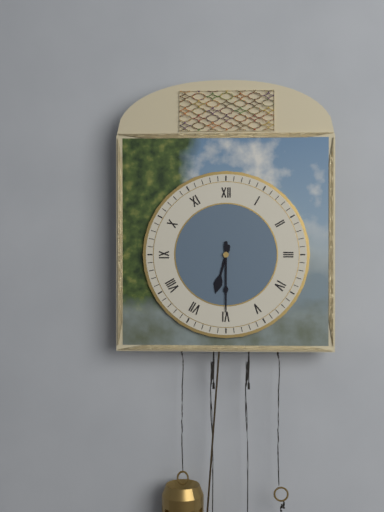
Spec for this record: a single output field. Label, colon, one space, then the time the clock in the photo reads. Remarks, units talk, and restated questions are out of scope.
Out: 6:30
